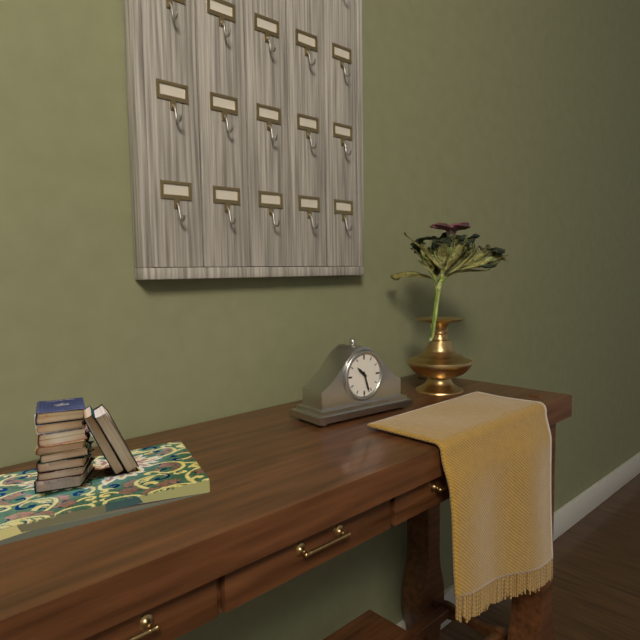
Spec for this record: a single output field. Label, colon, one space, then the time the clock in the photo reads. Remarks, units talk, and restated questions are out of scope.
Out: 10:27
